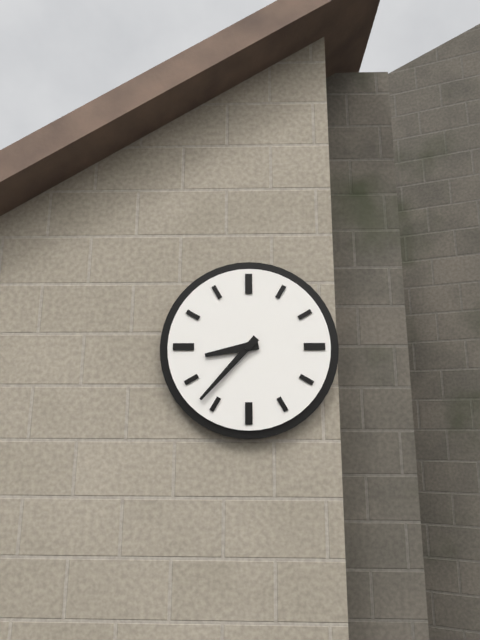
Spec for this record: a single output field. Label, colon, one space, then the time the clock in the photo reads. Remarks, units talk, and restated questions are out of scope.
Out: 8:37
